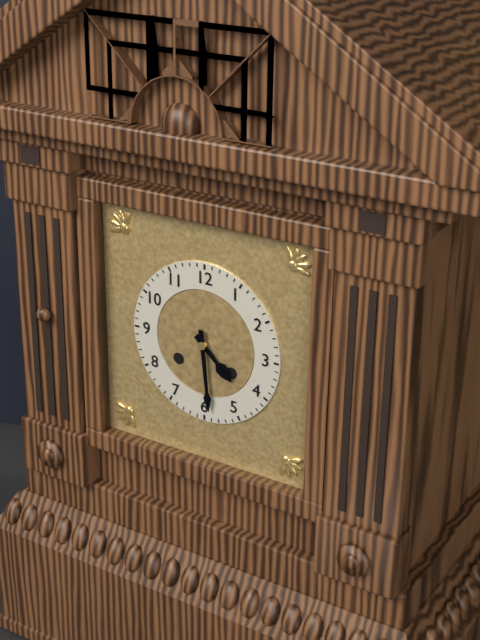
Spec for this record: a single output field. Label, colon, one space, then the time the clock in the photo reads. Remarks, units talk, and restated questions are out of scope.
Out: 4:29
